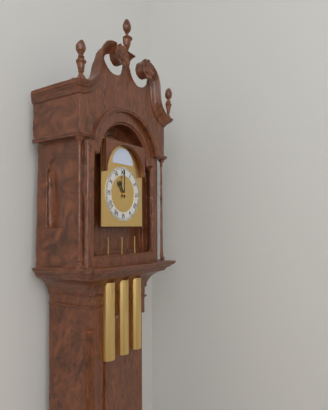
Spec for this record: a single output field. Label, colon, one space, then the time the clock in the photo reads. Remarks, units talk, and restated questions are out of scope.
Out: 11:00
